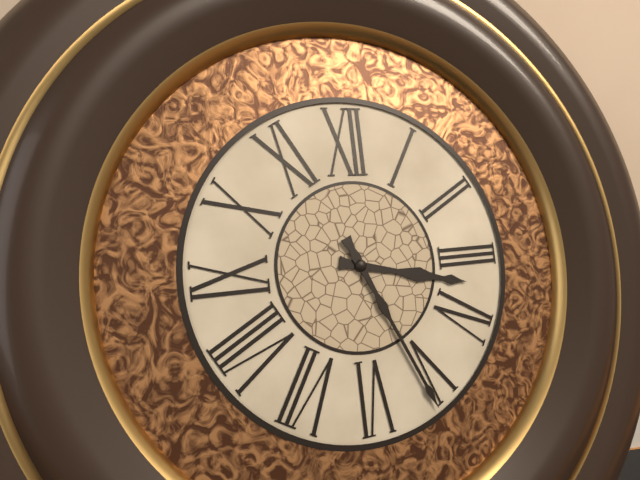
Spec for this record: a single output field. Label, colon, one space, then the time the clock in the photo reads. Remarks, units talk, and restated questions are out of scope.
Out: 3:26
